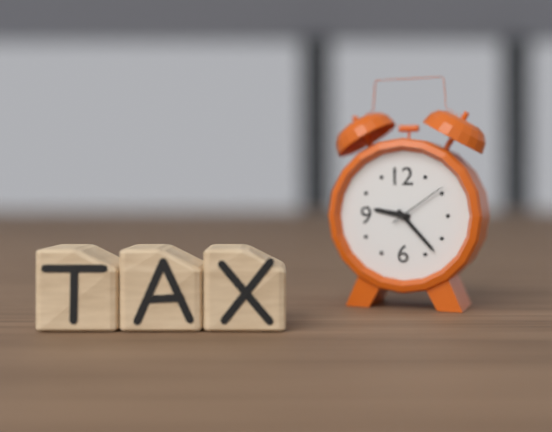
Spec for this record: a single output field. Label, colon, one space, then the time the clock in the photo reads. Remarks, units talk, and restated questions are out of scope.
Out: 9:23:09
